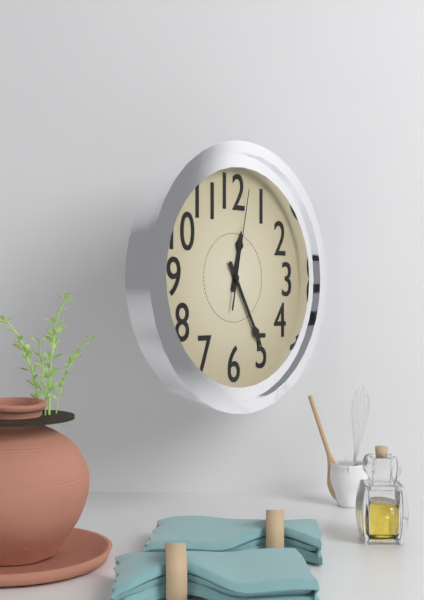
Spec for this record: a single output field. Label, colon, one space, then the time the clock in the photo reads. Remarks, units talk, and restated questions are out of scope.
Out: 12:25:02
